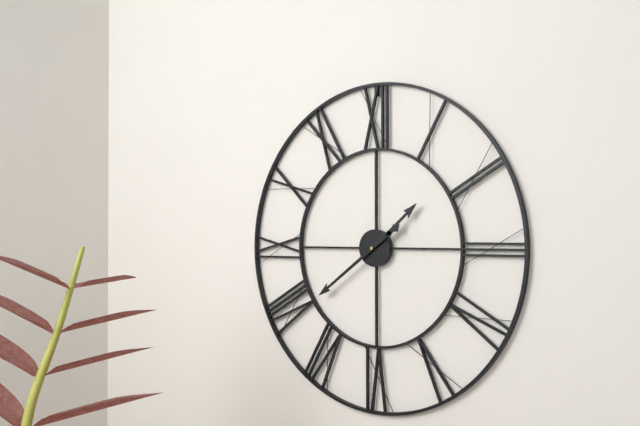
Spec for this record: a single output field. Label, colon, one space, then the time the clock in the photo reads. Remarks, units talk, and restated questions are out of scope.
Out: 1:39
